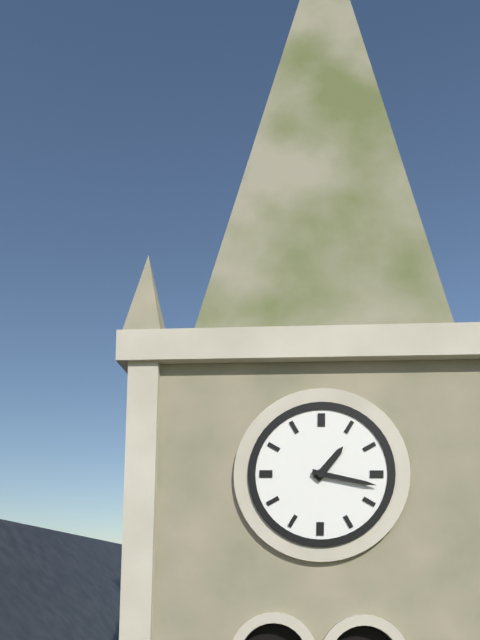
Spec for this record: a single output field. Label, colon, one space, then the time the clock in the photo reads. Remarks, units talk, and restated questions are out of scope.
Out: 1:17
